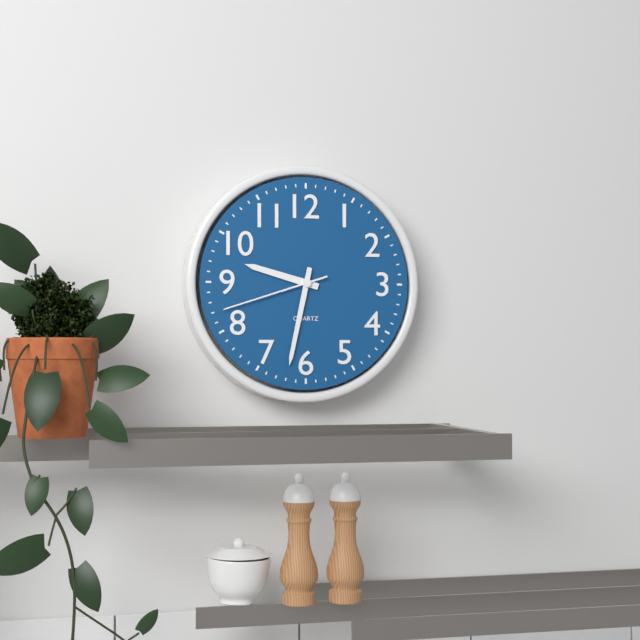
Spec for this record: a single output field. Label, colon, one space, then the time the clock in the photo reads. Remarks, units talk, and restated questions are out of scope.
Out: 9:32:42
